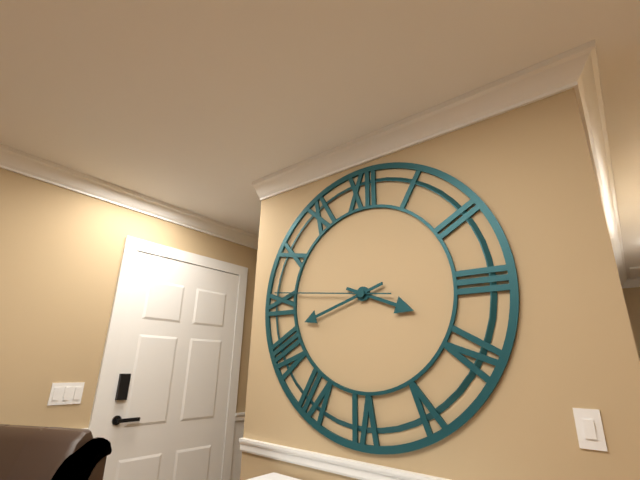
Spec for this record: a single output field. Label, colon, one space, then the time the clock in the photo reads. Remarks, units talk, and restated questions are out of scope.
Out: 3:42:46
